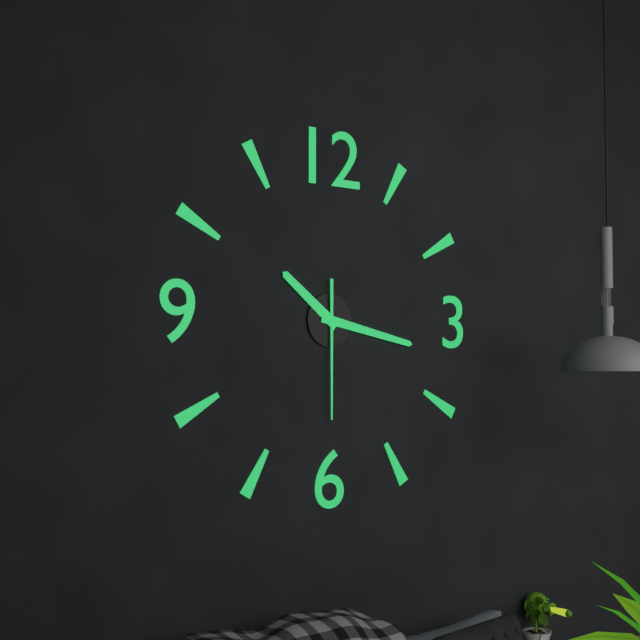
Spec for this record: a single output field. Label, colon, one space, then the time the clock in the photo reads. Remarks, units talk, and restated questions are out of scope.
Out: 10:17:30
